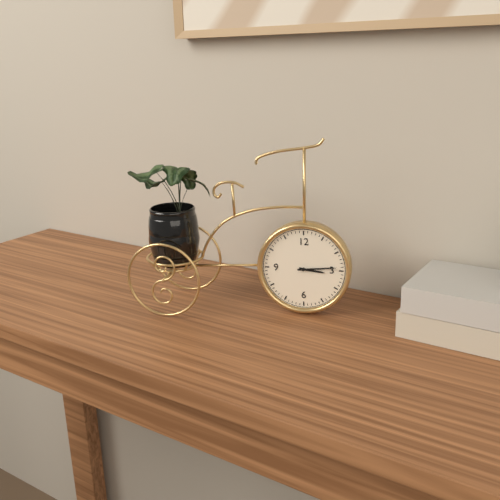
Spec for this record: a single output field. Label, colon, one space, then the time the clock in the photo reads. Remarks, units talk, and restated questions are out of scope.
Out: 3:14
